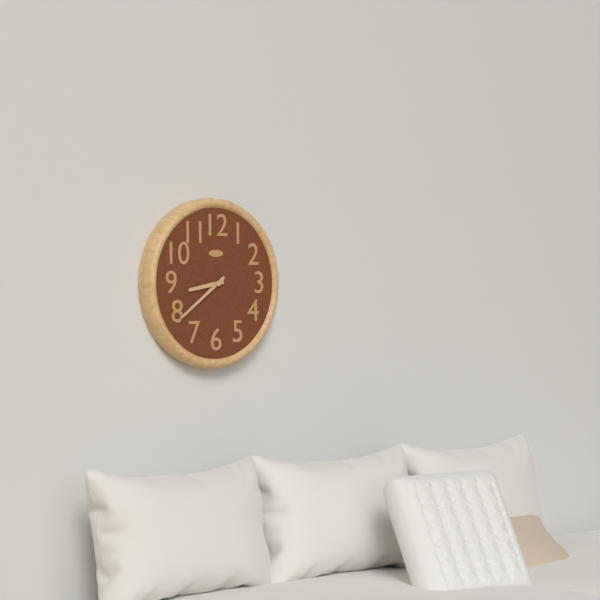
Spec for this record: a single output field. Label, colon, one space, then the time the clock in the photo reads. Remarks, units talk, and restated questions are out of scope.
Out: 8:39
